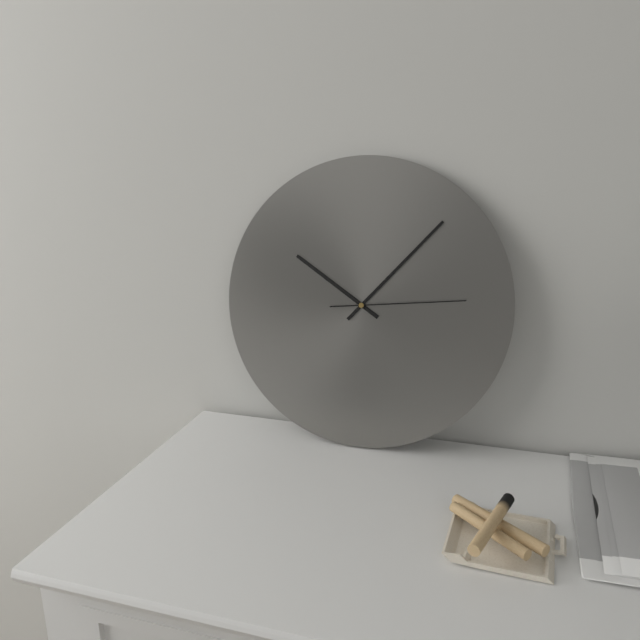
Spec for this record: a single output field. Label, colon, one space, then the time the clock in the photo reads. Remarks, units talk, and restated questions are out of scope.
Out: 10:07:14
